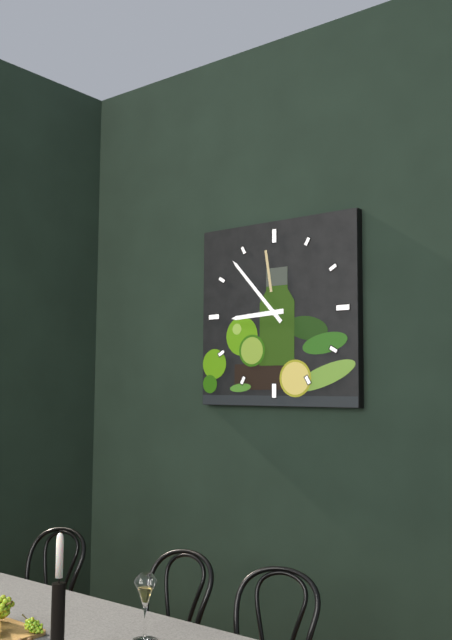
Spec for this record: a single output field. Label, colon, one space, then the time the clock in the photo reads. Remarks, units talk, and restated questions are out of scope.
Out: 8:53
